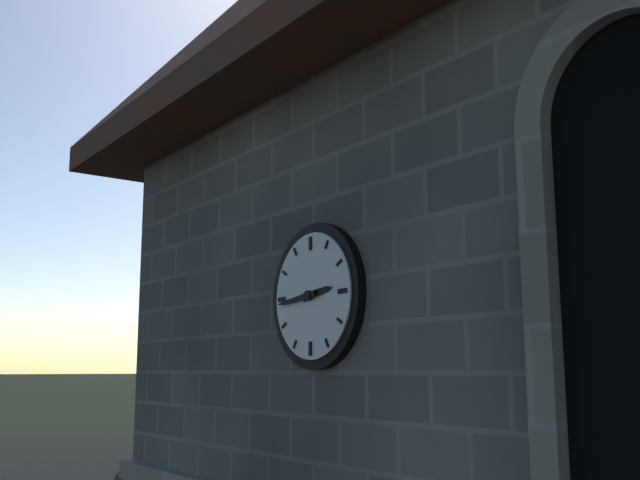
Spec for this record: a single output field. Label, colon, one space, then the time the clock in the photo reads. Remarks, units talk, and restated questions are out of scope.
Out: 2:44
